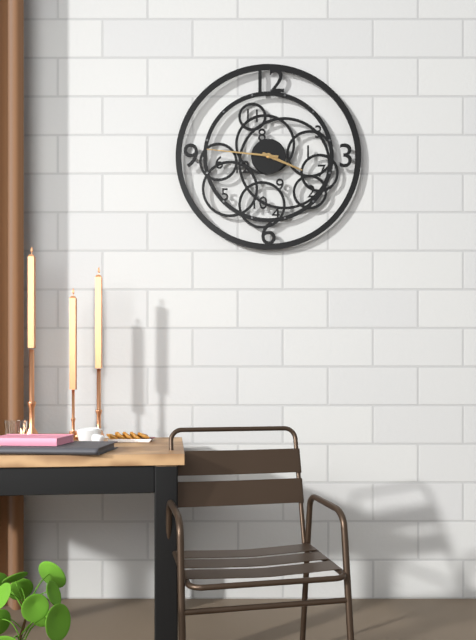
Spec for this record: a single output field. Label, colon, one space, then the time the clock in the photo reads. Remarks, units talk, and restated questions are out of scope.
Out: 3:46
